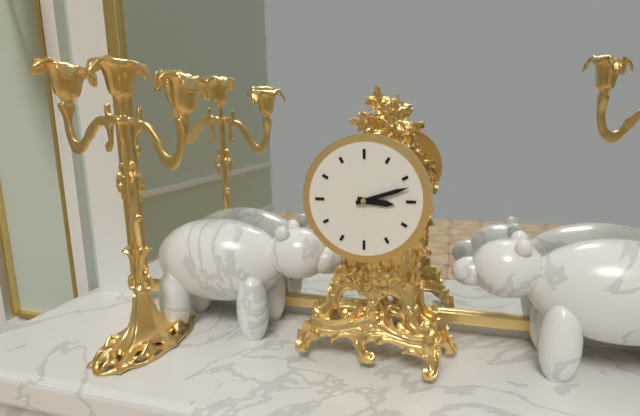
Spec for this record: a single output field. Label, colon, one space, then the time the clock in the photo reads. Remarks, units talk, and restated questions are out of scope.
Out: 3:12
